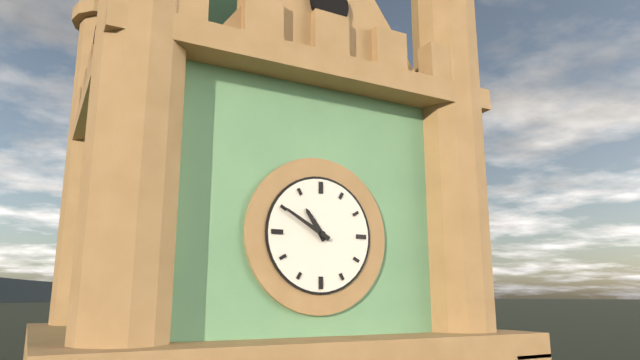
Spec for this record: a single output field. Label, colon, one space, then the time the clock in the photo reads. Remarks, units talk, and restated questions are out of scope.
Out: 10:50
